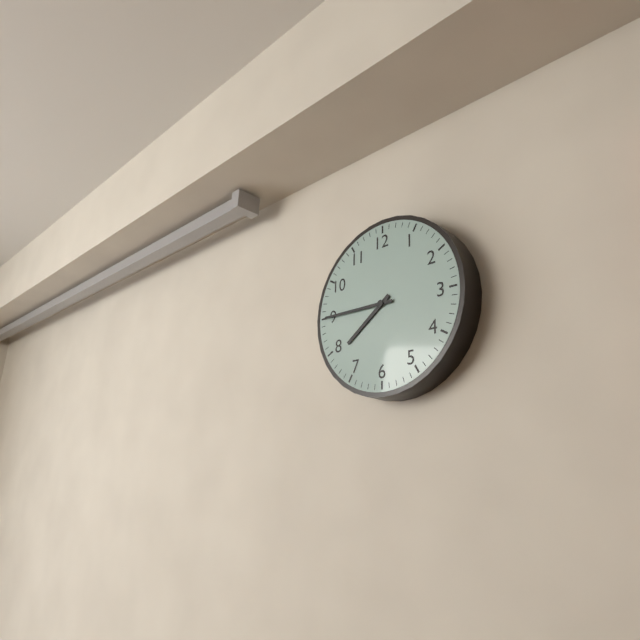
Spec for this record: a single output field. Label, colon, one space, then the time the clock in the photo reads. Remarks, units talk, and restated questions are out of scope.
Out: 7:45
